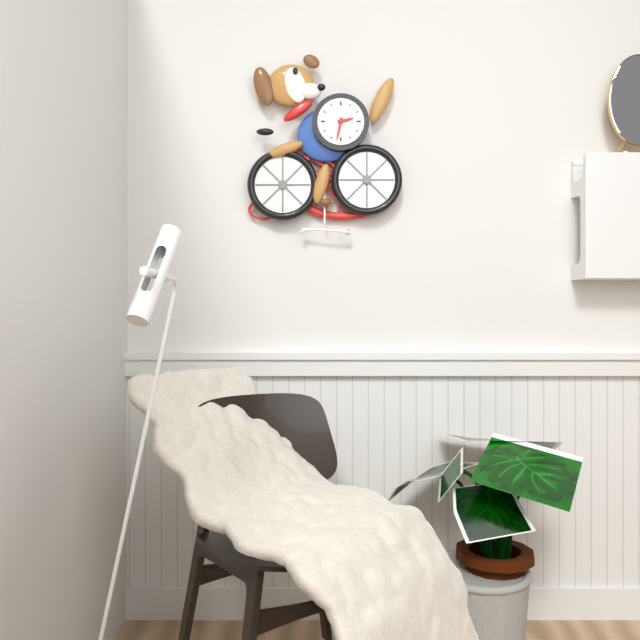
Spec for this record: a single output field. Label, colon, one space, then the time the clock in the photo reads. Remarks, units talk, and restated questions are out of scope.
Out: 2:32
